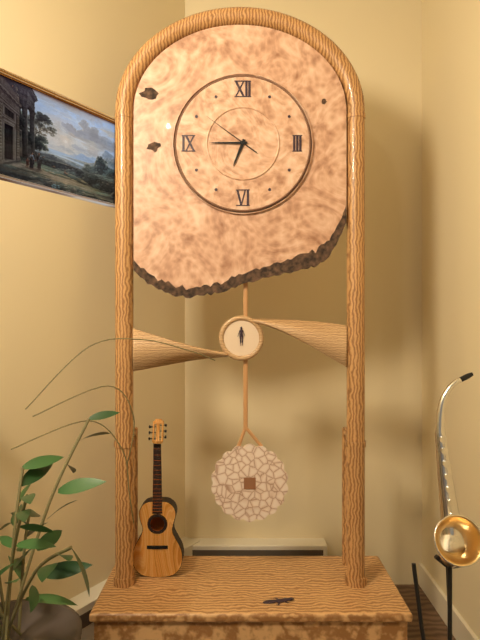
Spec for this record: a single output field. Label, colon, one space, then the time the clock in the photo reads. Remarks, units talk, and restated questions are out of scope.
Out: 6:45:51
